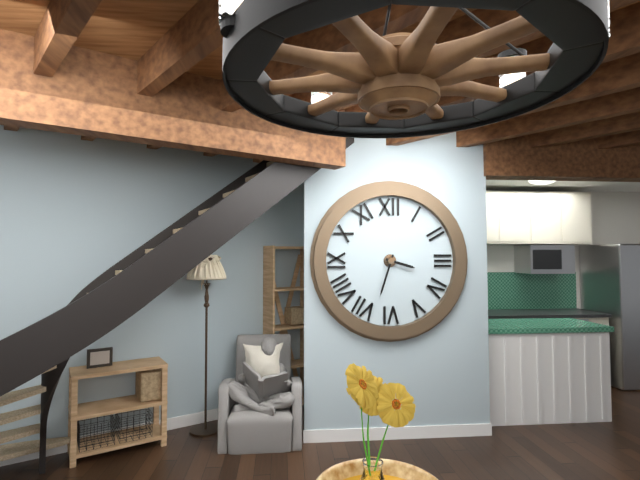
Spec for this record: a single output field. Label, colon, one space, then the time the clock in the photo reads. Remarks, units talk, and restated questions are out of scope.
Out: 3:33
